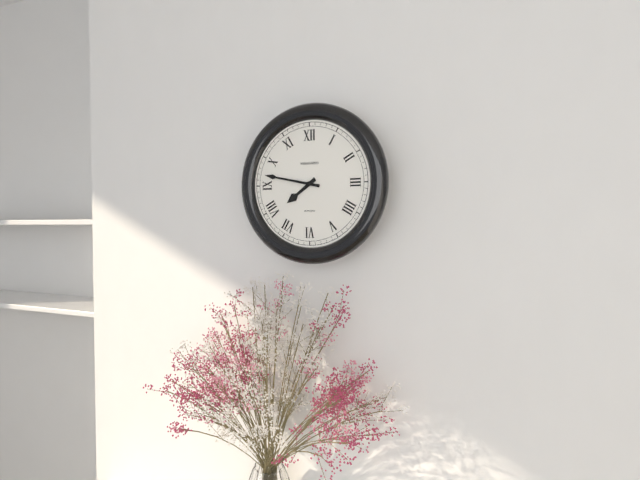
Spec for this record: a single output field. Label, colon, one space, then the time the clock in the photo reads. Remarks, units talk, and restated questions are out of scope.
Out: 7:47
